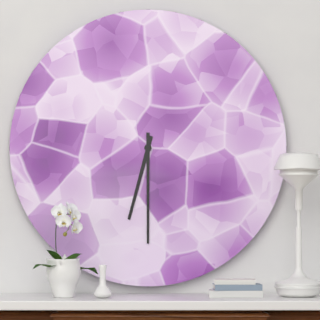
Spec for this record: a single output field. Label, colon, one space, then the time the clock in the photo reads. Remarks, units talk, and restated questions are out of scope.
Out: 6:30
